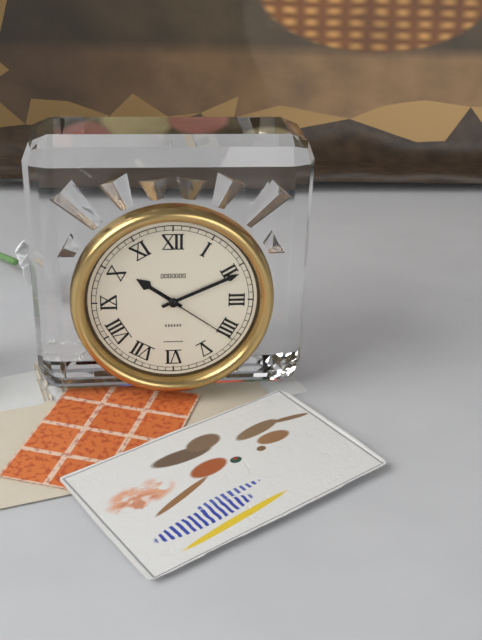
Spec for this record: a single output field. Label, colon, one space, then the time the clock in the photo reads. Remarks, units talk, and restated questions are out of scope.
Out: 10:11:21
